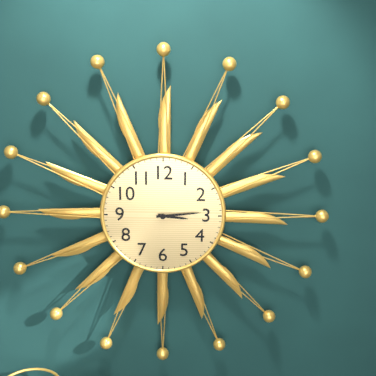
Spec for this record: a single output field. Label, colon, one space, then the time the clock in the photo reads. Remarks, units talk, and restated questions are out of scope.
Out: 3:14
